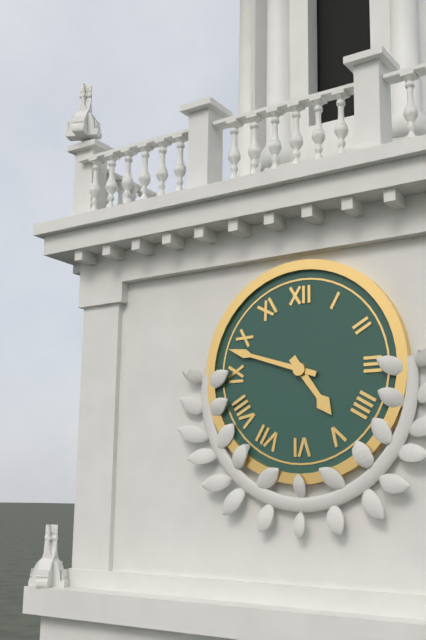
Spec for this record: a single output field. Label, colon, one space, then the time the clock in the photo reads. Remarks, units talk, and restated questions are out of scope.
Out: 4:48
